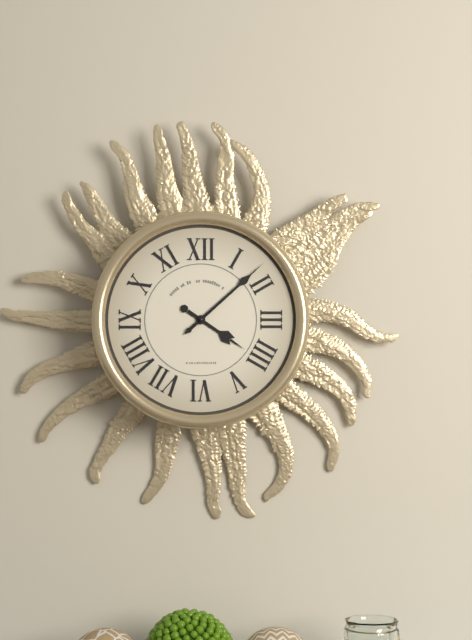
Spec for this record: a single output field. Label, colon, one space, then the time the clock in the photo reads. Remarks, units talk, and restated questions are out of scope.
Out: 4:08
